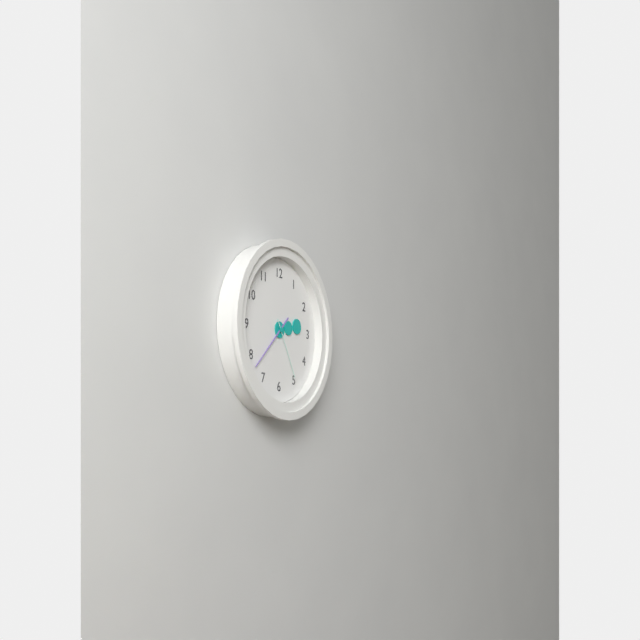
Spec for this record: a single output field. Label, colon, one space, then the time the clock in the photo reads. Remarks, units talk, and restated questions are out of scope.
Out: 2:38:25
